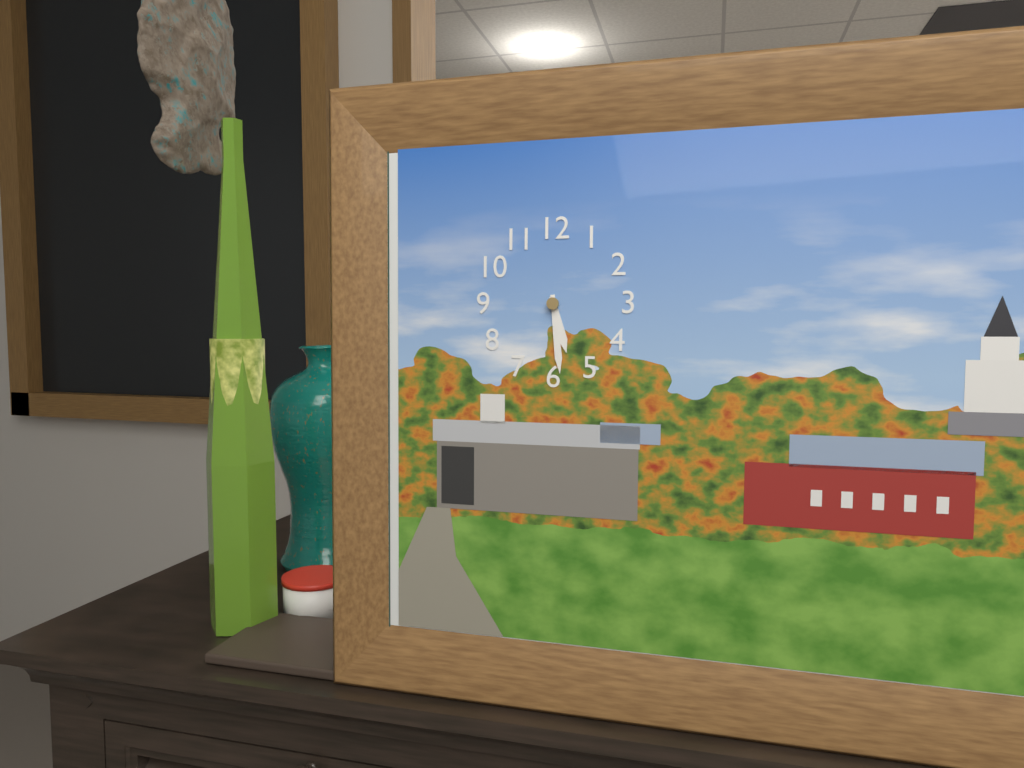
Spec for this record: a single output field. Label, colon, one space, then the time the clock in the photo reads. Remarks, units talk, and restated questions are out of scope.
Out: 5:29
